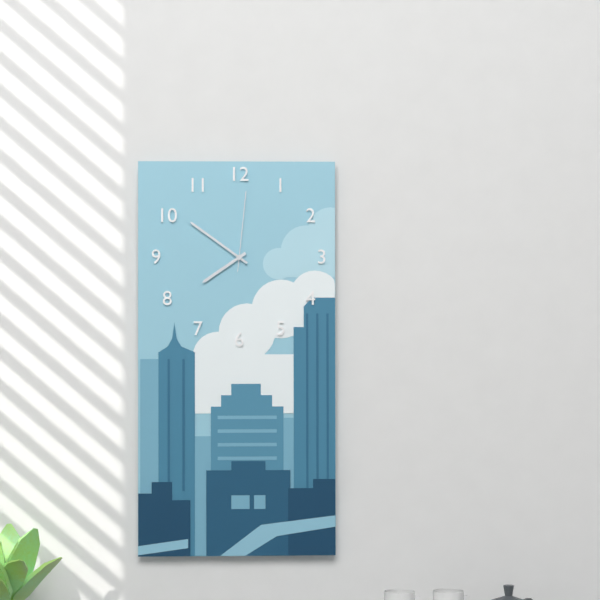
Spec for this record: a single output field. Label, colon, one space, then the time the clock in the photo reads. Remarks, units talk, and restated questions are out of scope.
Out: 7:51:01
